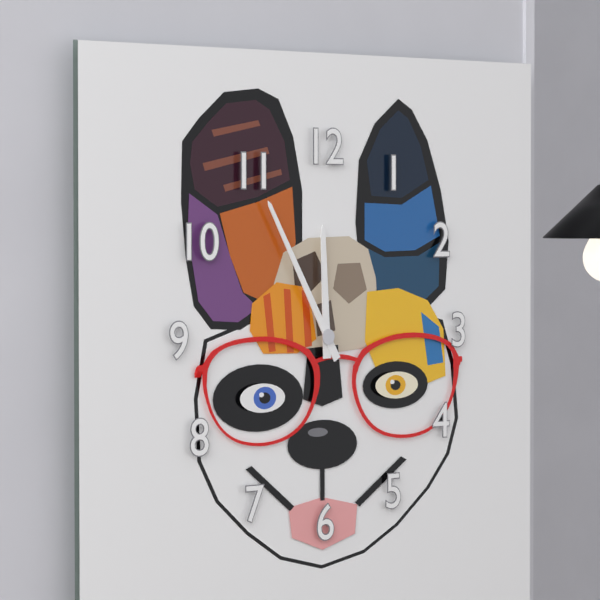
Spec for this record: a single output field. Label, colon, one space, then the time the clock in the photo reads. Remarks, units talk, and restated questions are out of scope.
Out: 11:55
